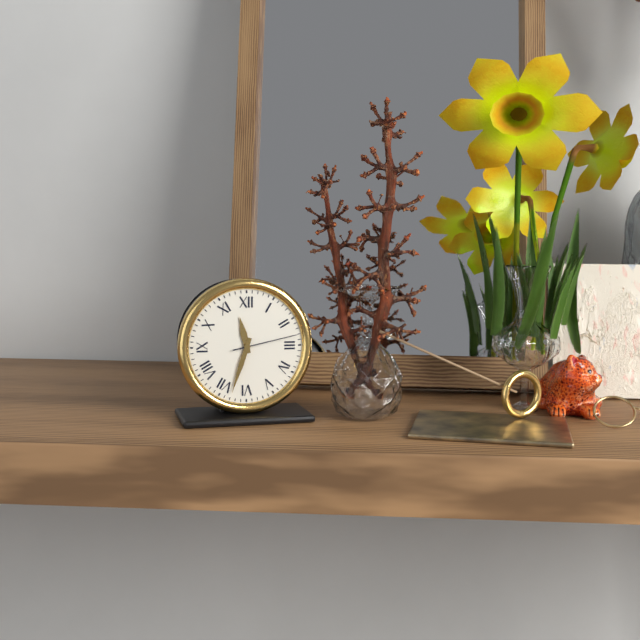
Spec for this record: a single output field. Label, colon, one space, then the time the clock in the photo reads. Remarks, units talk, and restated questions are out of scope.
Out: 11:33:13
